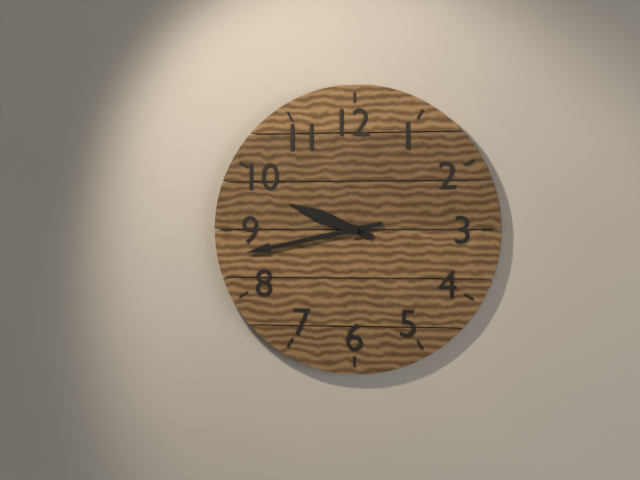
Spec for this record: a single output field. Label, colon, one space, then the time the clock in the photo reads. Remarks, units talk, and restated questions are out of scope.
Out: 9:43
